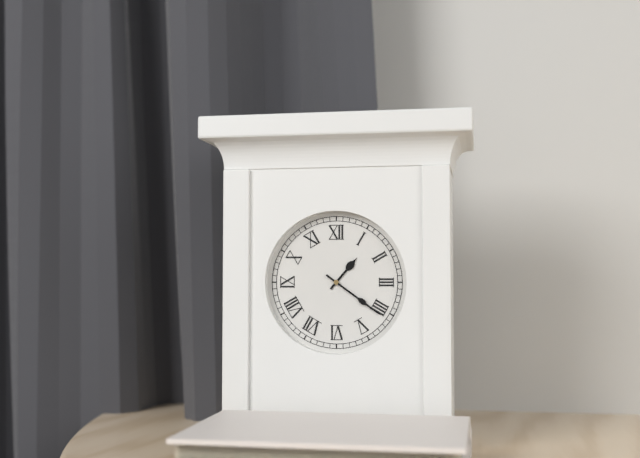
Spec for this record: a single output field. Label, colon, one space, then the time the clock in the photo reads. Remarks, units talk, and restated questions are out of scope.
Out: 1:21
